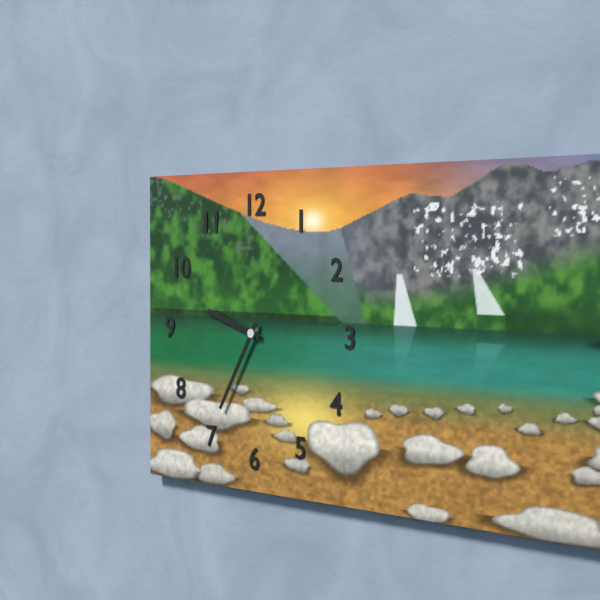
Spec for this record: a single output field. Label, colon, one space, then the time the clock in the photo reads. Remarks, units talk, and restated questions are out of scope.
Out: 9:35
